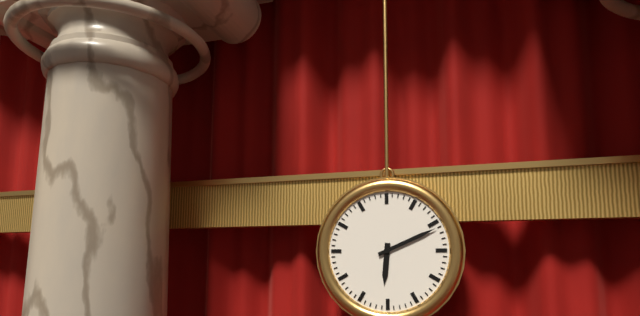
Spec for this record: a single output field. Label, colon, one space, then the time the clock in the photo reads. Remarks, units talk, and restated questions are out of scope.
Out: 6:11
